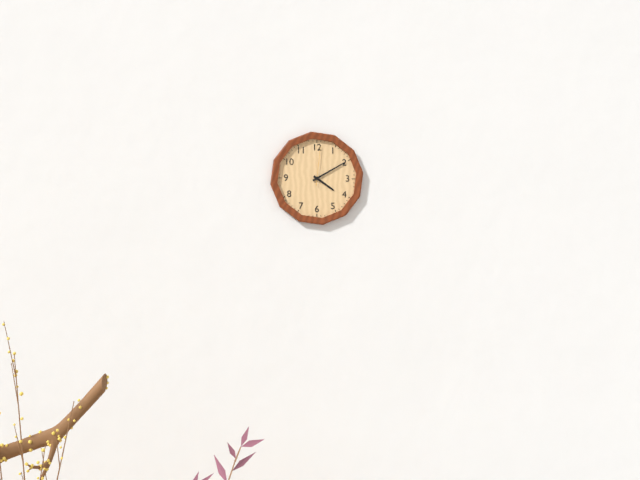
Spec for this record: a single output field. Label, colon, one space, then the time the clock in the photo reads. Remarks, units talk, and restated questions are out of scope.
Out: 4:10
